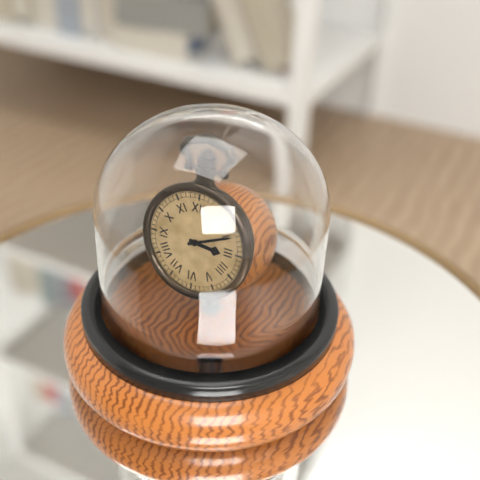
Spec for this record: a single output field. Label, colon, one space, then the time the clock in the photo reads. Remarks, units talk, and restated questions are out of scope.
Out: 3:11
